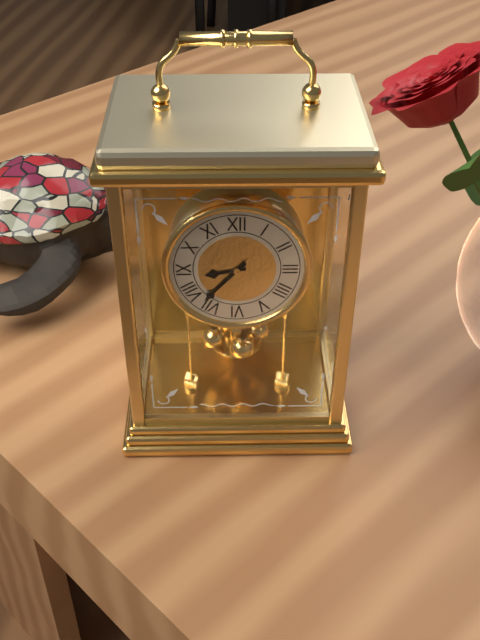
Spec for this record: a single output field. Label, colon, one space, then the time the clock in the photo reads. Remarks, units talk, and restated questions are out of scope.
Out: 8:37
